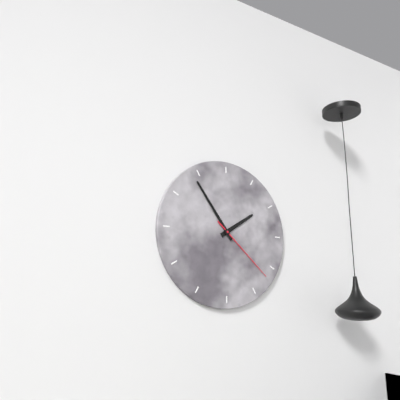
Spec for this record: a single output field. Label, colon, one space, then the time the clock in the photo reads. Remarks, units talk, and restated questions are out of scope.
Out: 1:54:22
